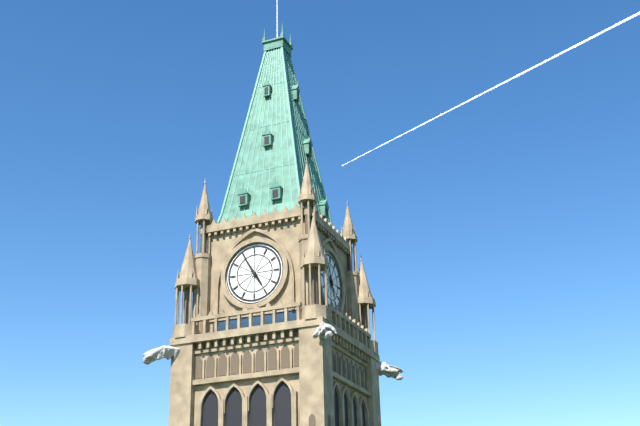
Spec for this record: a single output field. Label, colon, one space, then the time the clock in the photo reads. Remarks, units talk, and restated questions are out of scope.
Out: 4:55
